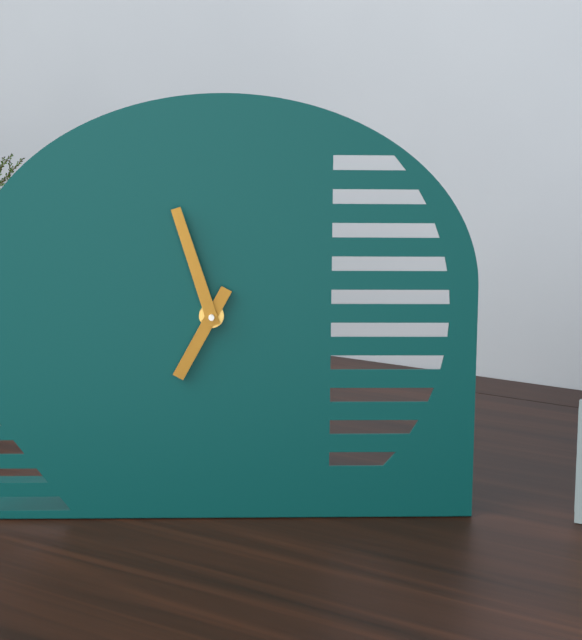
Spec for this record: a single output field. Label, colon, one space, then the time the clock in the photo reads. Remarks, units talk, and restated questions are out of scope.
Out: 6:57
